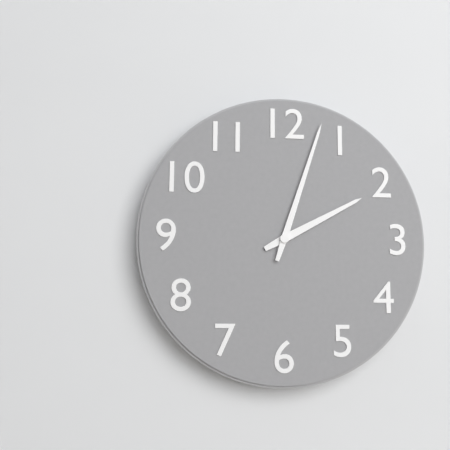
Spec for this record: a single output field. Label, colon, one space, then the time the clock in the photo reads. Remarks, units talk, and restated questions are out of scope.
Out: 2:03
